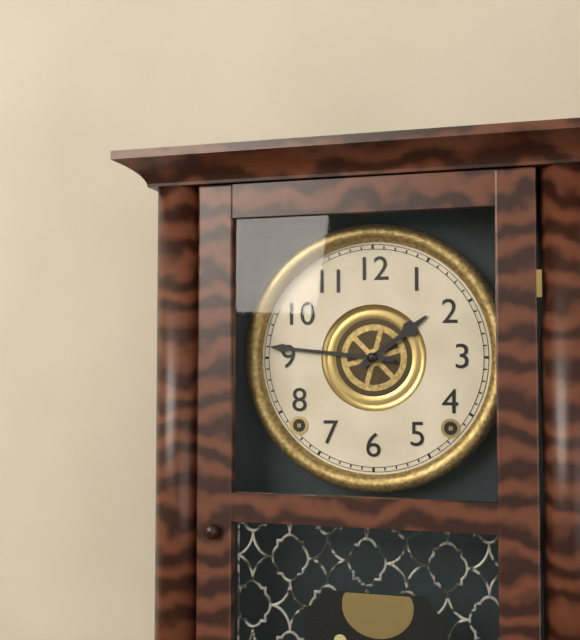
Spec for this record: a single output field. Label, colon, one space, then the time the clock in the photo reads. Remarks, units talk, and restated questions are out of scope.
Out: 1:46
